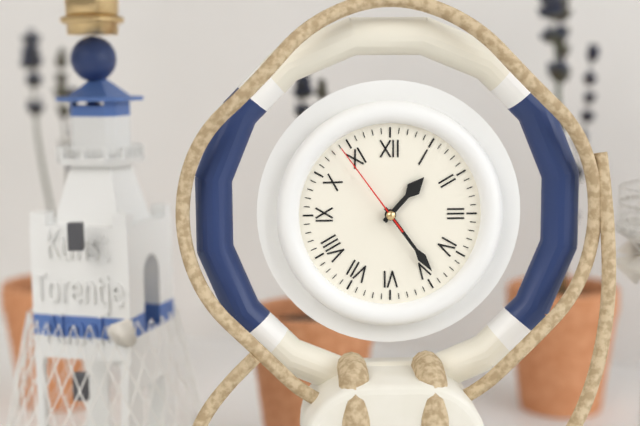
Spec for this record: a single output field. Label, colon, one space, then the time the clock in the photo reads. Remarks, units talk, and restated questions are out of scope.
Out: 1:24:54
